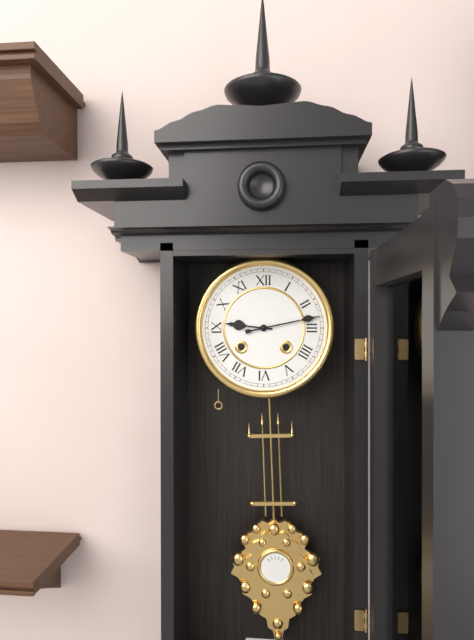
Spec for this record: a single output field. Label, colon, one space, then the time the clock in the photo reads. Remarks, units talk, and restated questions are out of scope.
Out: 9:13
